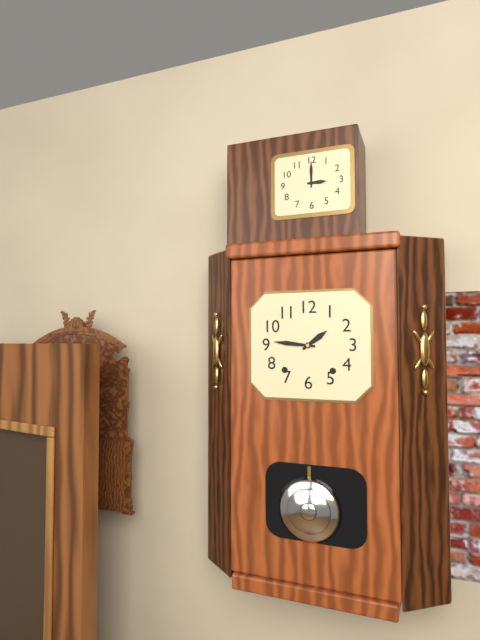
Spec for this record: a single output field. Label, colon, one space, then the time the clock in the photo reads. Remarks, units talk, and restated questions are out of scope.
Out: 1:46
